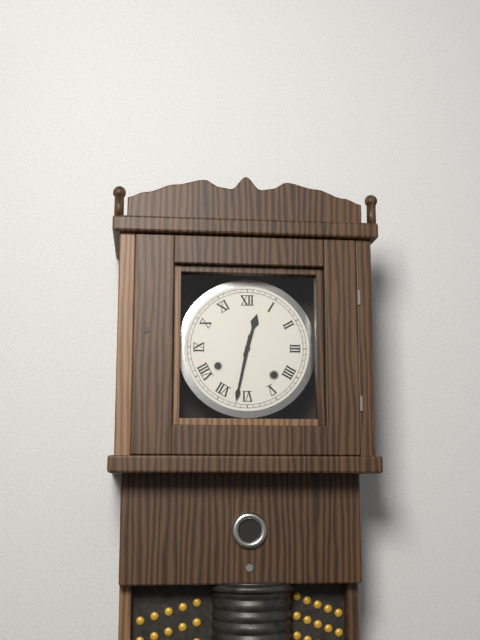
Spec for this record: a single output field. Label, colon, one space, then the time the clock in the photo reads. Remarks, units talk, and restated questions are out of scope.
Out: 12:32
